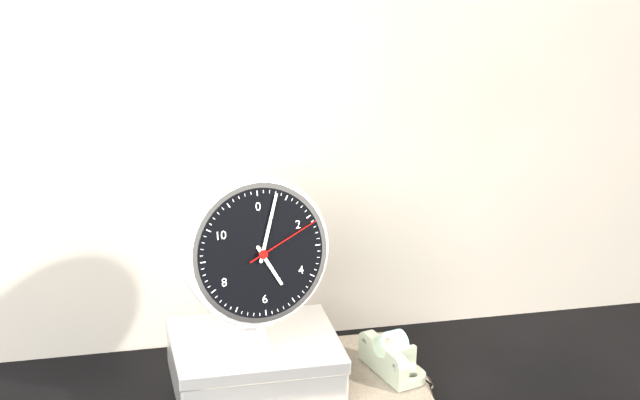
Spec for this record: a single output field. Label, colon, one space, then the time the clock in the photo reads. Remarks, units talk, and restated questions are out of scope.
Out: 5:03:11
